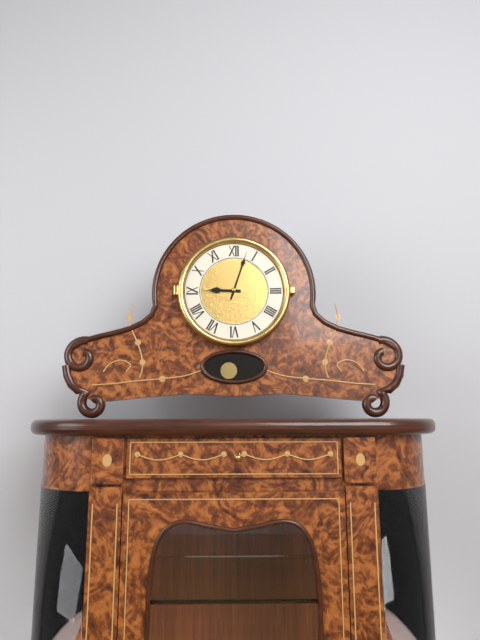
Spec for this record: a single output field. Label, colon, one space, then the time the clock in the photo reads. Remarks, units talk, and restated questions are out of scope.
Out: 9:03
